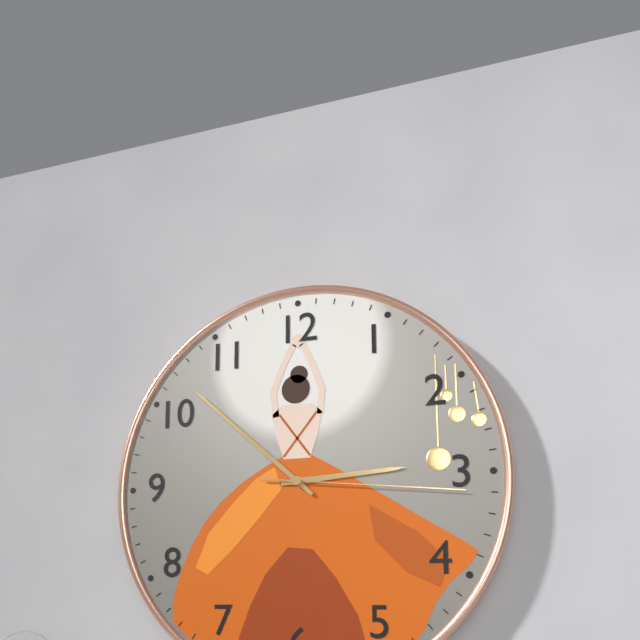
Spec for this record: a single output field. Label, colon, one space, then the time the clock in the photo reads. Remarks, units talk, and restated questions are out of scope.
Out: 2:52:16
